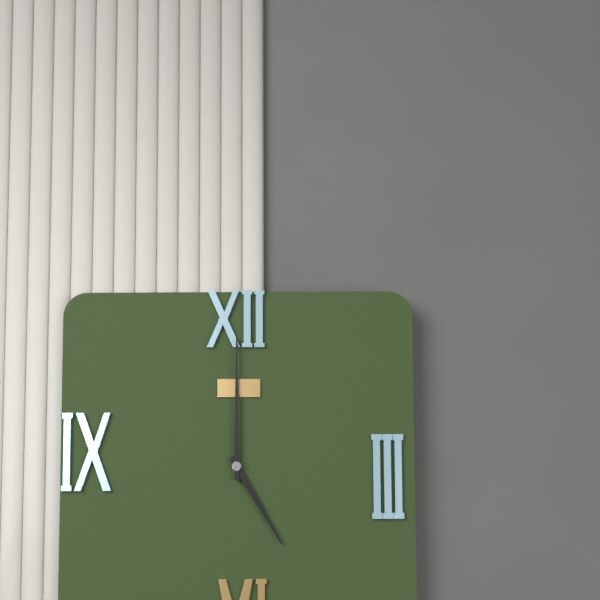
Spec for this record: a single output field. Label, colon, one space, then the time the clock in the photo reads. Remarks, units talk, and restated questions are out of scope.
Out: 5:00
